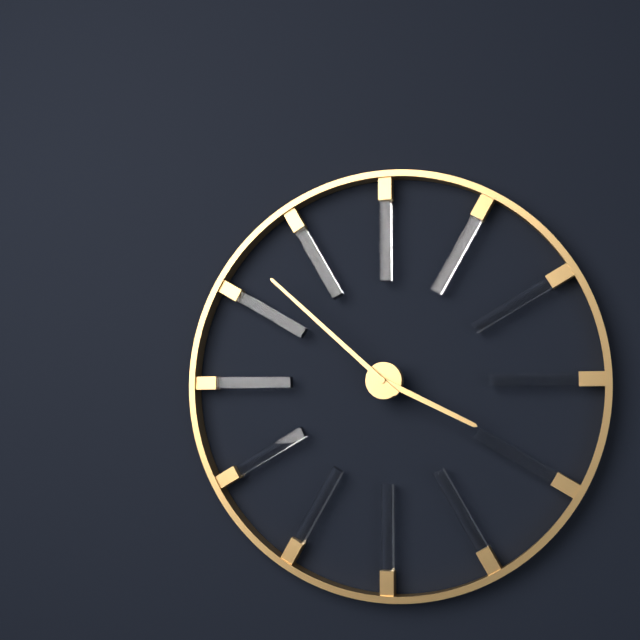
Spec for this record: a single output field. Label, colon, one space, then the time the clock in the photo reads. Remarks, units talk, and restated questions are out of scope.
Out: 3:52
